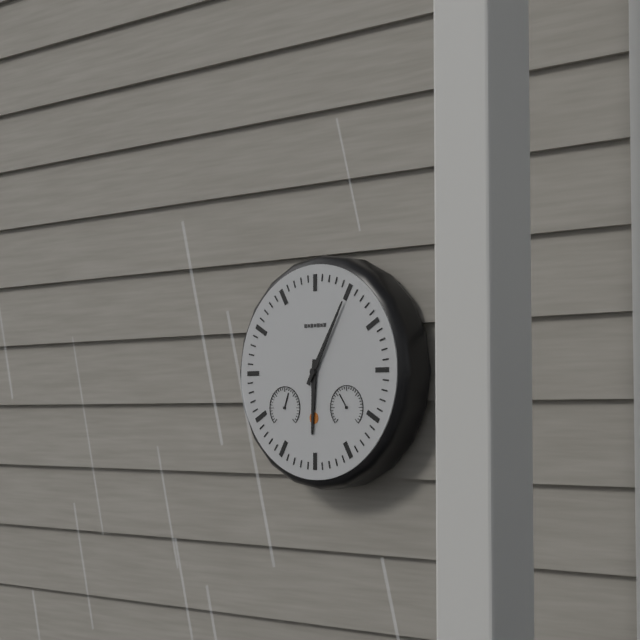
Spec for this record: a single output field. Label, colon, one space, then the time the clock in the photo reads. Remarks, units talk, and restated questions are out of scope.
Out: 6:05
